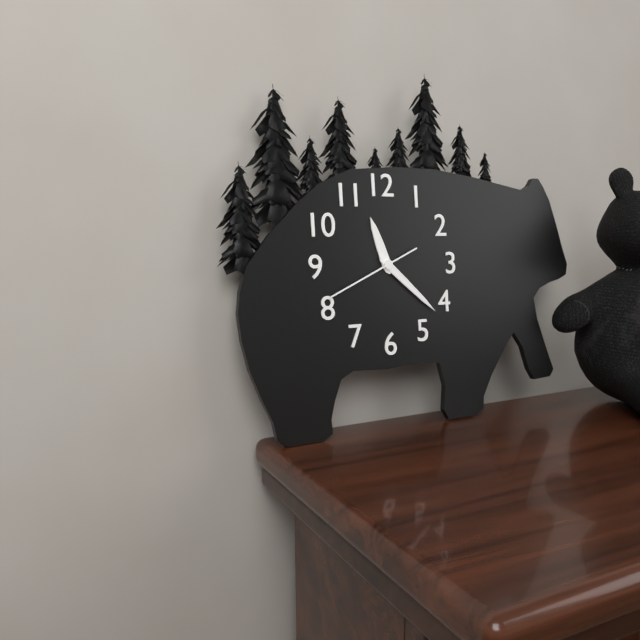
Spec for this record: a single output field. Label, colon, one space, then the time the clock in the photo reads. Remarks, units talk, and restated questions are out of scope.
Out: 11:22:41
